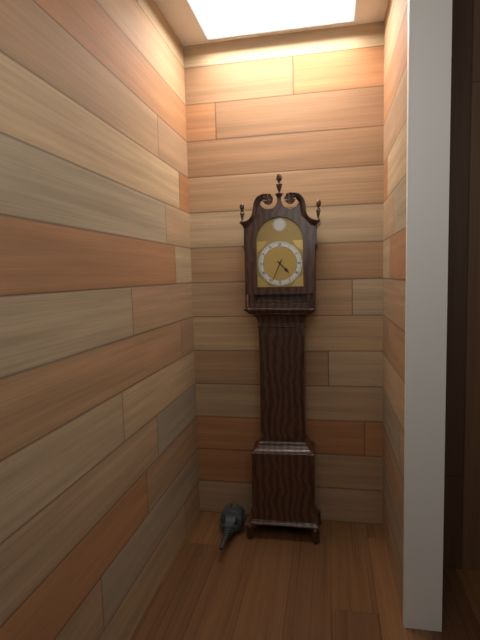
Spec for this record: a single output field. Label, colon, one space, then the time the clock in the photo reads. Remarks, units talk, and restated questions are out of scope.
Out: 4:34
